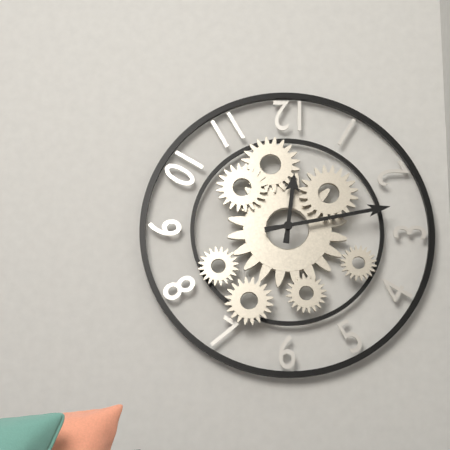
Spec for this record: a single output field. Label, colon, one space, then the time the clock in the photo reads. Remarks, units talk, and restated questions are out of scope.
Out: 12:13
